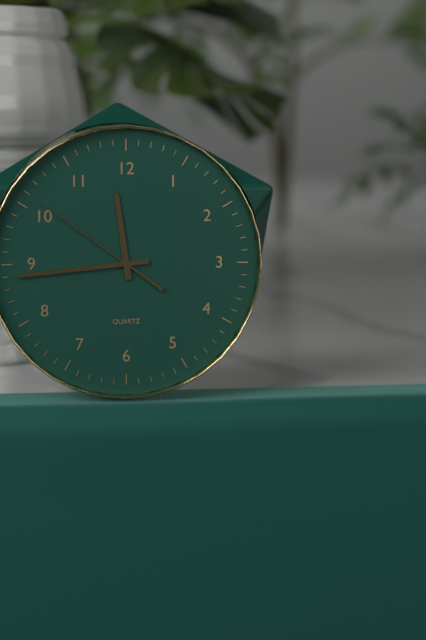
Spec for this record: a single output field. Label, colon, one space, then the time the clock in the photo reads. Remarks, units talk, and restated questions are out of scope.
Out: 11:44:51
